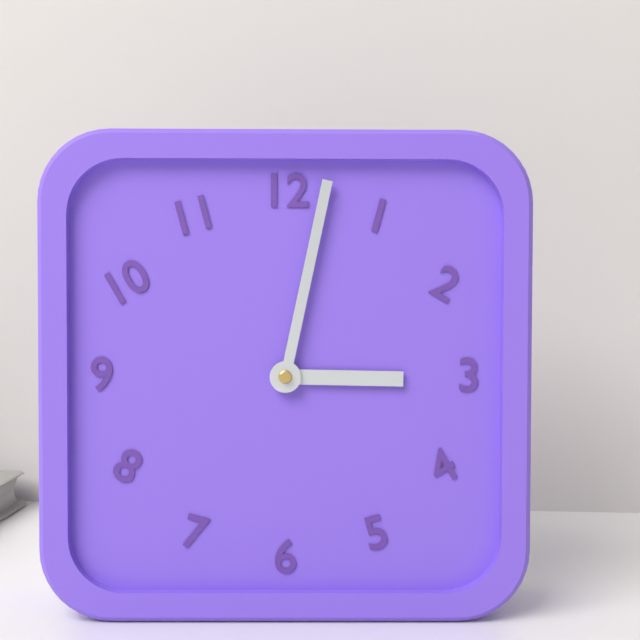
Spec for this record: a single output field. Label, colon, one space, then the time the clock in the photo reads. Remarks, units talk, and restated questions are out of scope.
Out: 3:02
